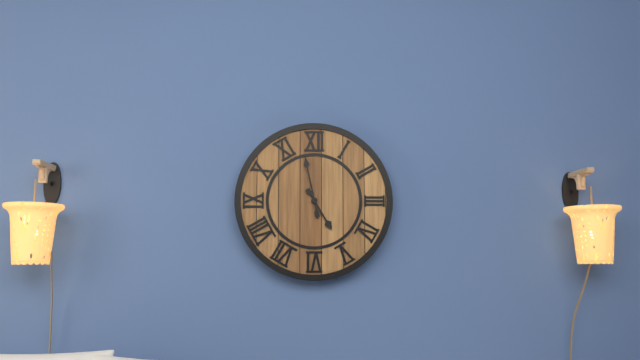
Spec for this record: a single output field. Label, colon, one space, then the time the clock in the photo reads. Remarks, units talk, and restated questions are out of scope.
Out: 4:58
